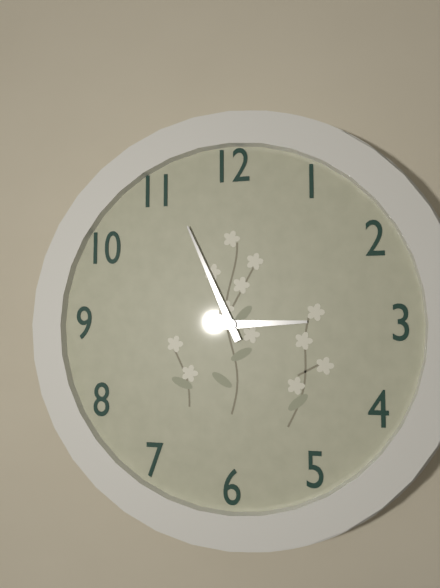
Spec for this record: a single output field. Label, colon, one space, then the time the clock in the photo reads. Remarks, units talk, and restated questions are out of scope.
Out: 2:56
